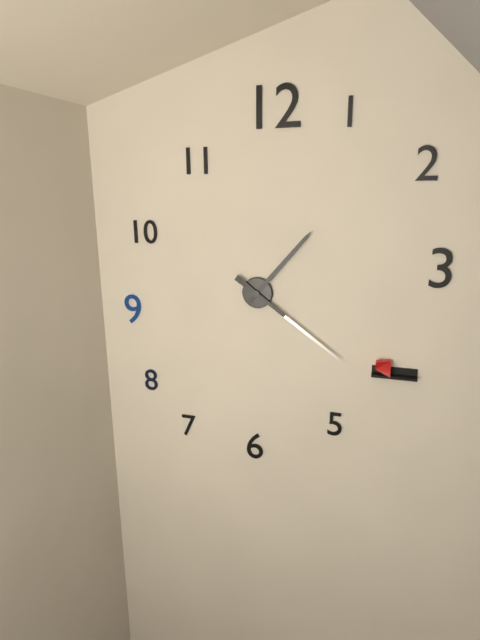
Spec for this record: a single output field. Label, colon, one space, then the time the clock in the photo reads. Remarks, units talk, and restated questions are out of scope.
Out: 1:21
